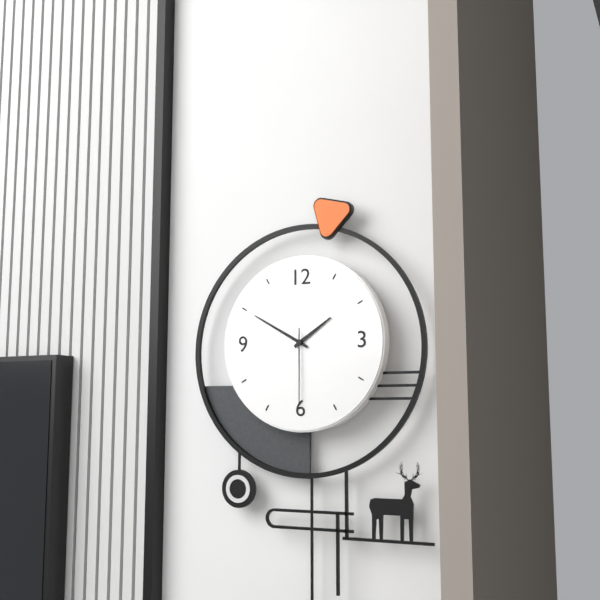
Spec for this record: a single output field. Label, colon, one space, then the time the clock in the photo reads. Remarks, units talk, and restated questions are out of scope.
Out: 1:50:30
